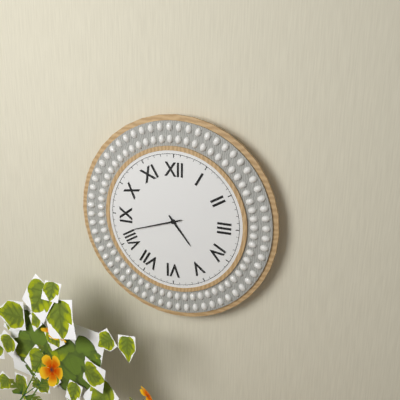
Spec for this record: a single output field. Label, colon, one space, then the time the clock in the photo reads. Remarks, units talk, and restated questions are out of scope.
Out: 4:42
